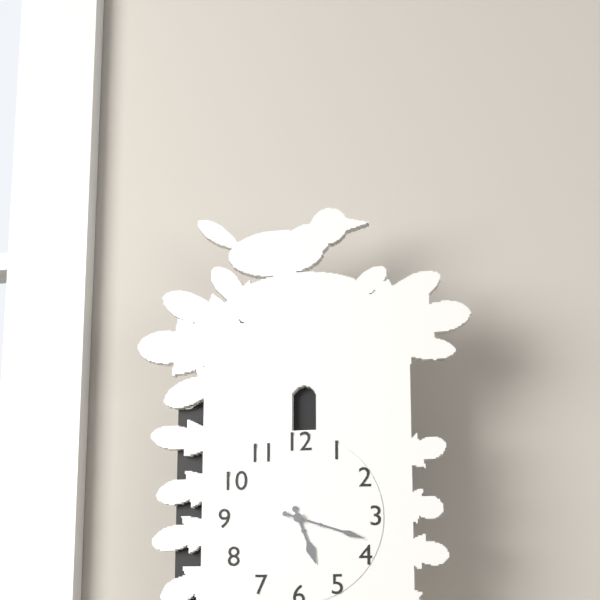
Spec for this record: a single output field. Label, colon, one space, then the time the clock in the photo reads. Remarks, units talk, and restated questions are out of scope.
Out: 5:18
